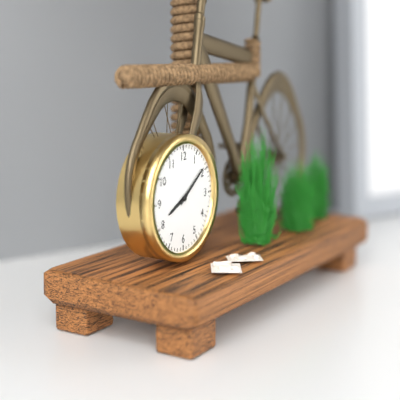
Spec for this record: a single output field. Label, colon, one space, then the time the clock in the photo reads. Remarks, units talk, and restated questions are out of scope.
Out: 8:09
